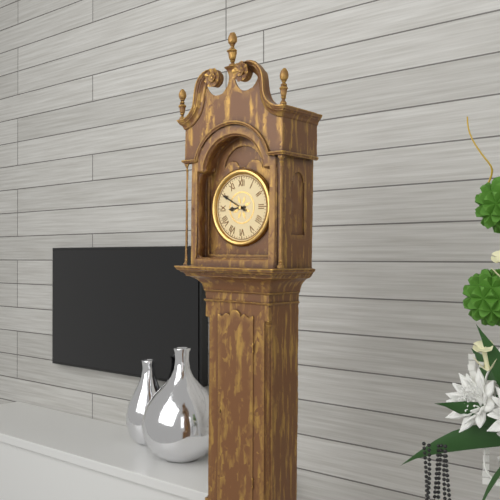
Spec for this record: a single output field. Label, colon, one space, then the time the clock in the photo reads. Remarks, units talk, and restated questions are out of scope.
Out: 8:50
